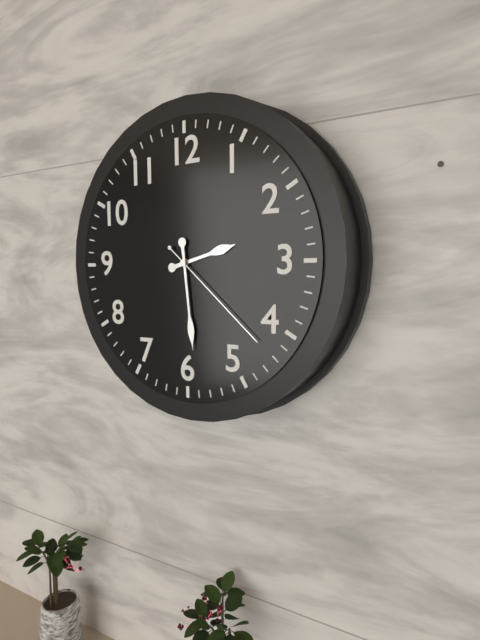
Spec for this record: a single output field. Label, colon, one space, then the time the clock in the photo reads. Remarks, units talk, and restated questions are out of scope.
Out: 2:29:22
